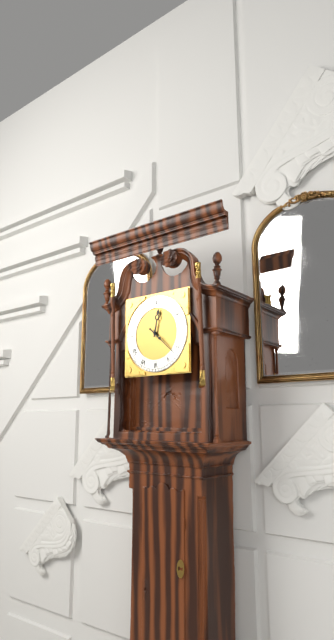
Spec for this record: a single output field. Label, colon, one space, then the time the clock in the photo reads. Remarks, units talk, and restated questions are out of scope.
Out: 12:22
